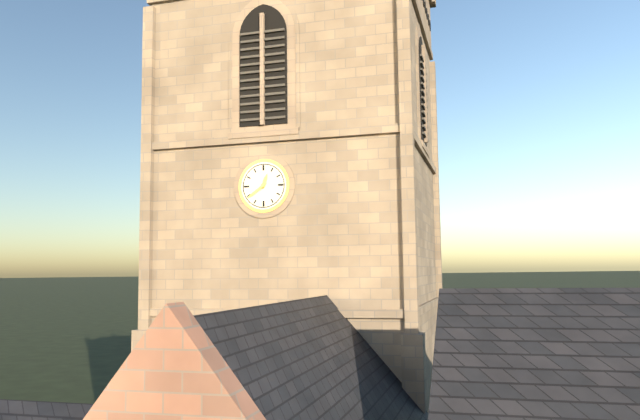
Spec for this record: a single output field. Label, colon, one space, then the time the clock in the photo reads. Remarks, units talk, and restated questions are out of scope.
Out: 12:39
